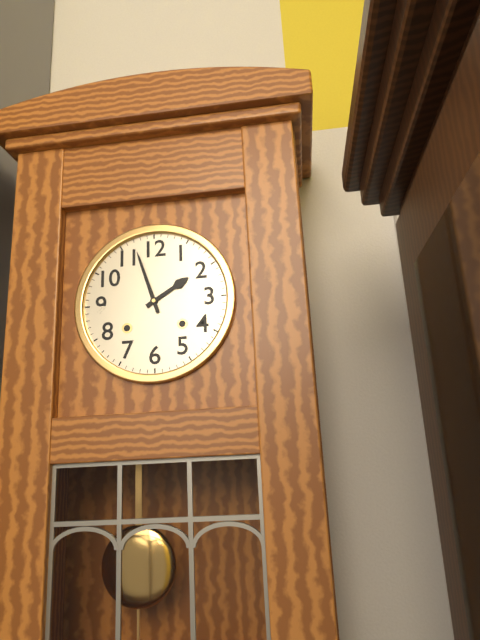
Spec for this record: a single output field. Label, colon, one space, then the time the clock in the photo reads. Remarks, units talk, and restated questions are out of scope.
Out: 1:57
